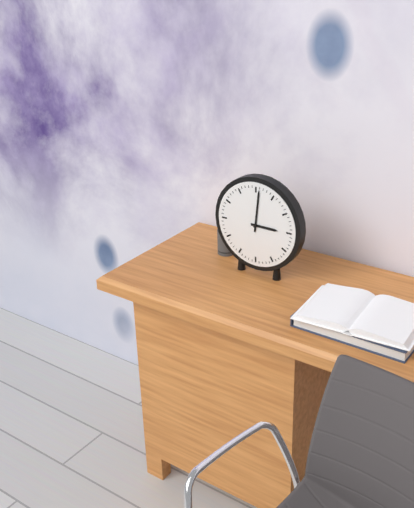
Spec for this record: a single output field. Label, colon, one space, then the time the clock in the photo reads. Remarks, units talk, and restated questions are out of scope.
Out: 3:01
